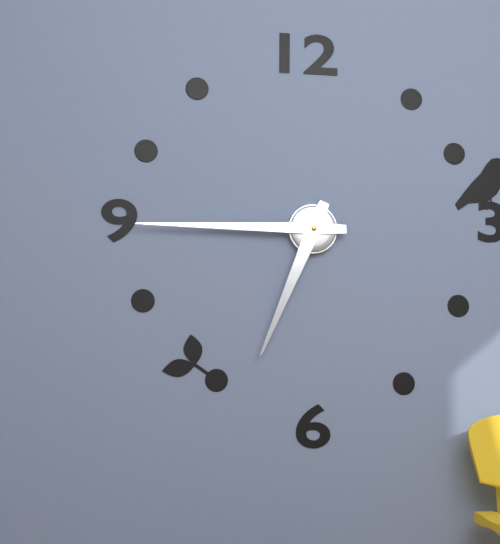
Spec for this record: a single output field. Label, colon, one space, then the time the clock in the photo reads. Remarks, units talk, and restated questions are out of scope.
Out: 6:45
